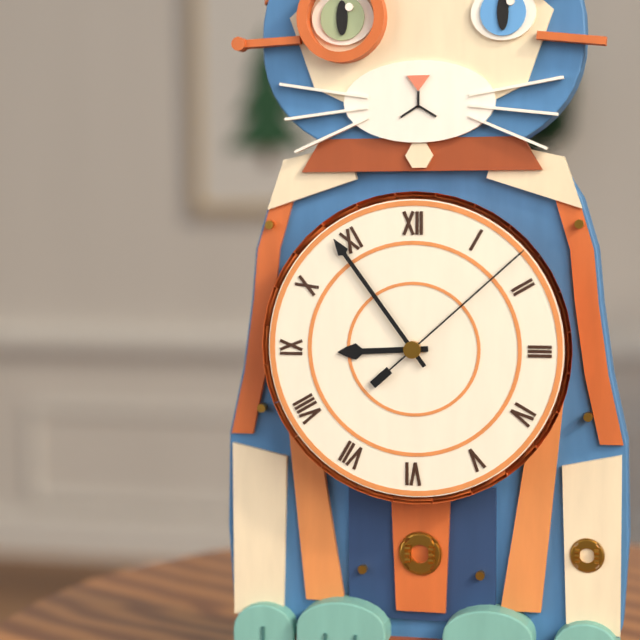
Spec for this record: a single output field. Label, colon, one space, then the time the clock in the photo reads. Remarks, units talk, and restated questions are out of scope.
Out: 8:54:08
